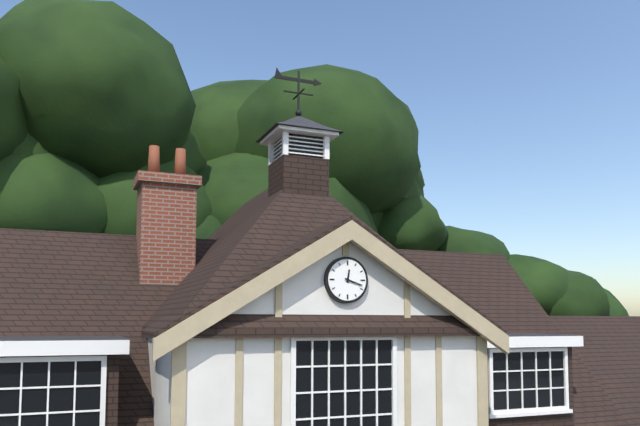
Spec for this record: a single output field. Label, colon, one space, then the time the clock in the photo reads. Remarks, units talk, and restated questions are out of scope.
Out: 12:18
